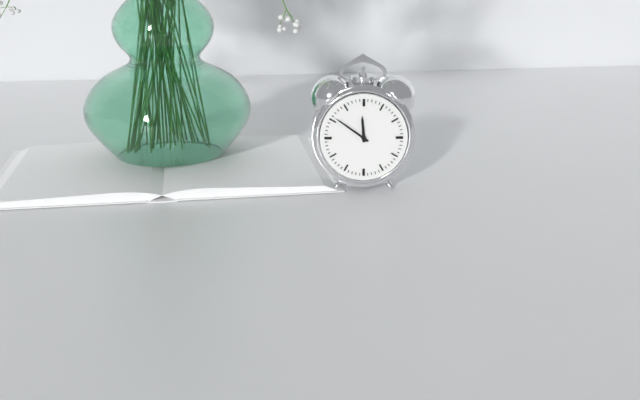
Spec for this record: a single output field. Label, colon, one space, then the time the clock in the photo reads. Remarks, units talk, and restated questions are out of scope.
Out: 11:51
